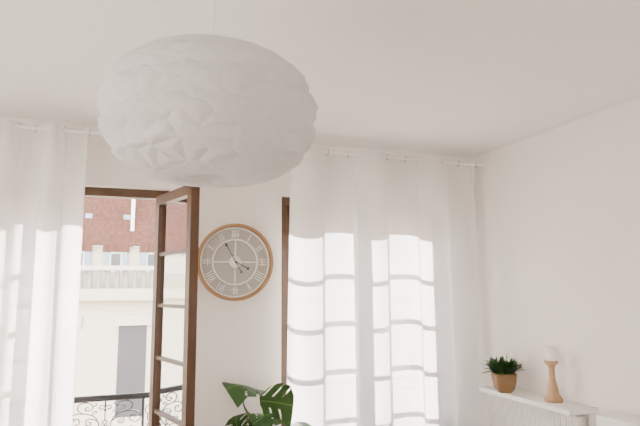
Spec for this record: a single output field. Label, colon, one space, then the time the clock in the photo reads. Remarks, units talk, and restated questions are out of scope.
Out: 3:55
